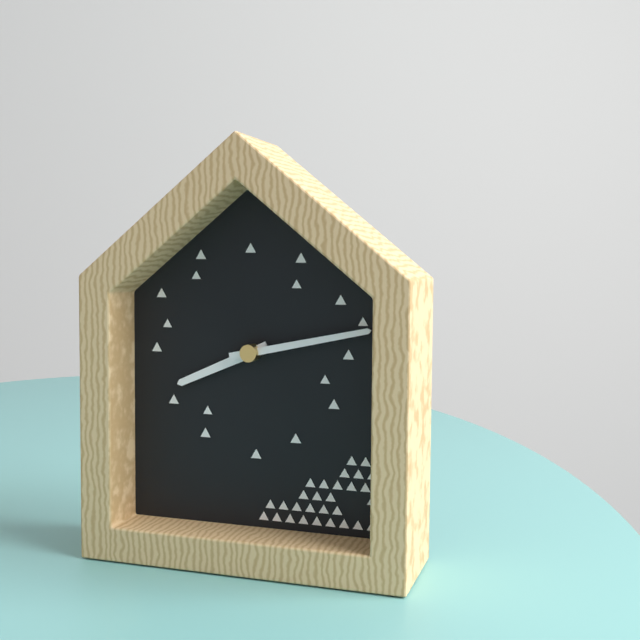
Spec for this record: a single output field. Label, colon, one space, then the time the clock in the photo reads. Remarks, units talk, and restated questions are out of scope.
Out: 8:13
